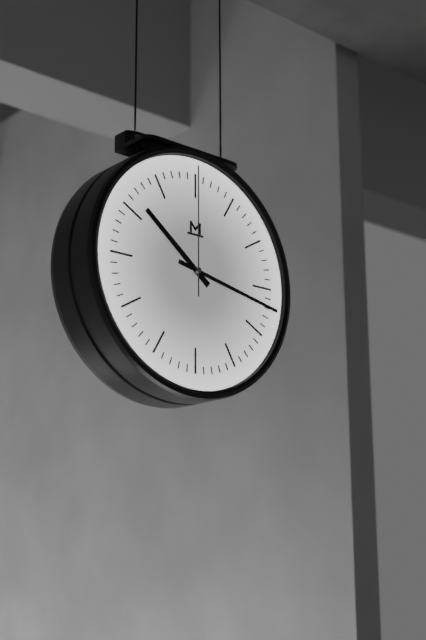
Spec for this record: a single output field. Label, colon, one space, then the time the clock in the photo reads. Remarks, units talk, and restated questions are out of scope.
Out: 10:17:00
